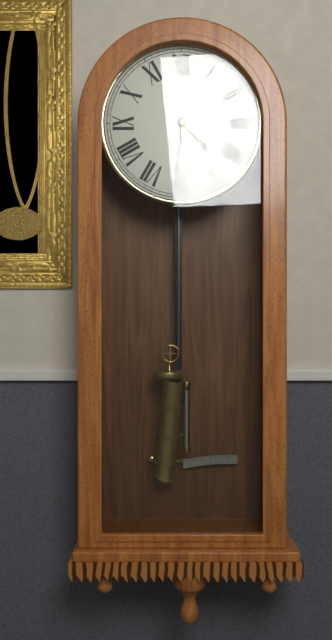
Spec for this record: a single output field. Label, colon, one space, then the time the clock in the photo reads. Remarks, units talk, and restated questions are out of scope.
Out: 4:31
